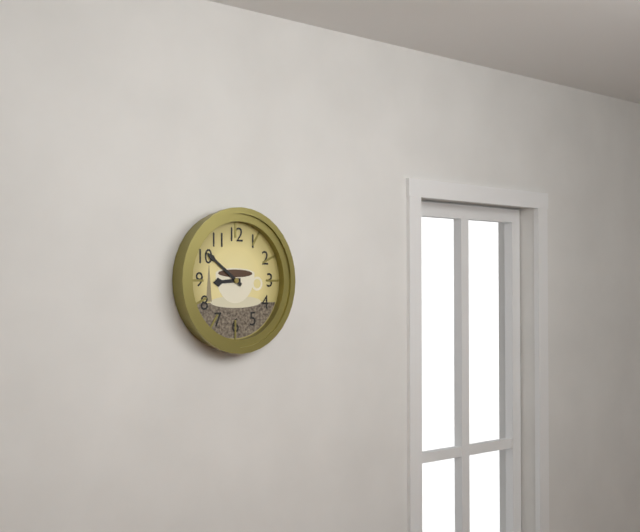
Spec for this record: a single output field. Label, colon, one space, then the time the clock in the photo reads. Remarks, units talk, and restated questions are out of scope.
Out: 8:51
